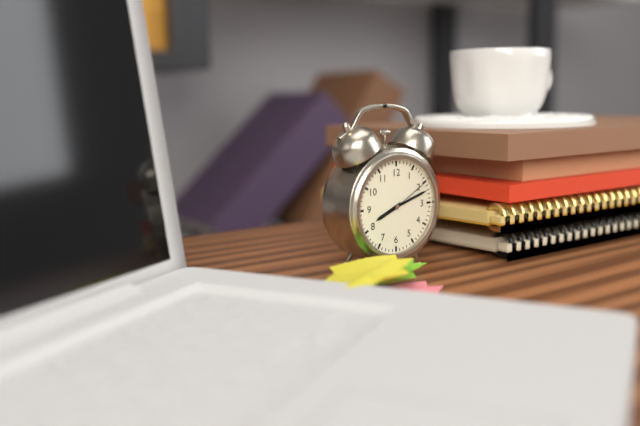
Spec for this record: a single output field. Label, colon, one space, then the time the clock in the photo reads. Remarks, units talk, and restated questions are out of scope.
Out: 8:12
